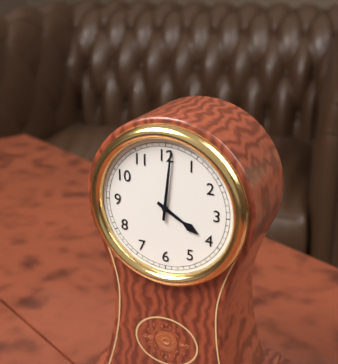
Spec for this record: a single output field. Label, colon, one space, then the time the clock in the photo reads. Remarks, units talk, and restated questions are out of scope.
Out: 4:01
